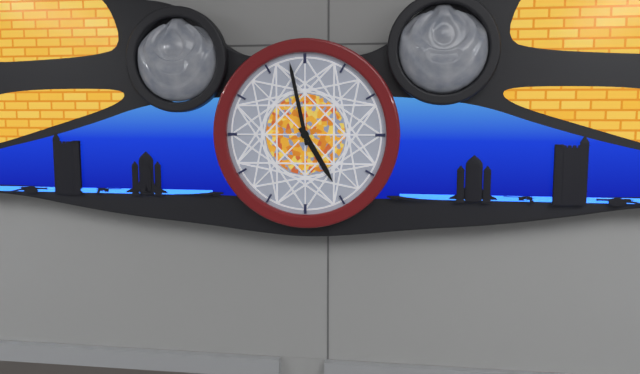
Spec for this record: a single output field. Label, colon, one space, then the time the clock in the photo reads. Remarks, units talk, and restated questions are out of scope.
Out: 4:58
